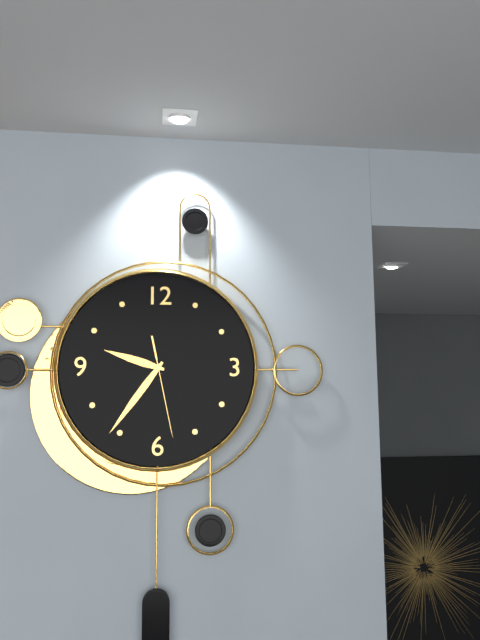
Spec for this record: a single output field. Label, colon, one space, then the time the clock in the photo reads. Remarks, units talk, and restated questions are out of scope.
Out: 9:36:28
